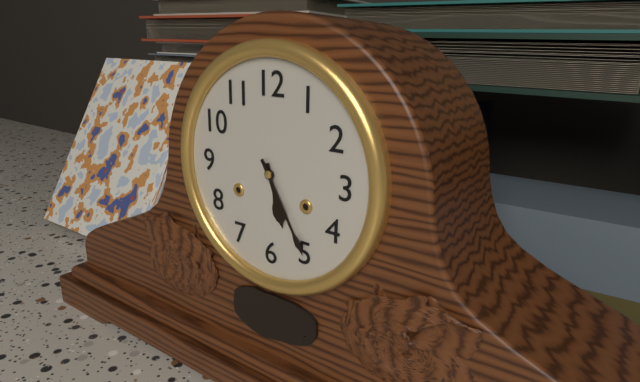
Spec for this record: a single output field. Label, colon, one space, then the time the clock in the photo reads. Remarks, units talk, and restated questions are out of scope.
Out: 5:25
